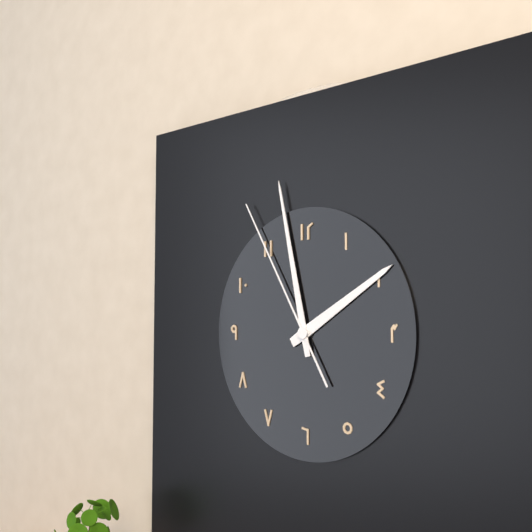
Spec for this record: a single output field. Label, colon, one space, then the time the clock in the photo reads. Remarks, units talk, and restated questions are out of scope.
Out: 1:58:55
